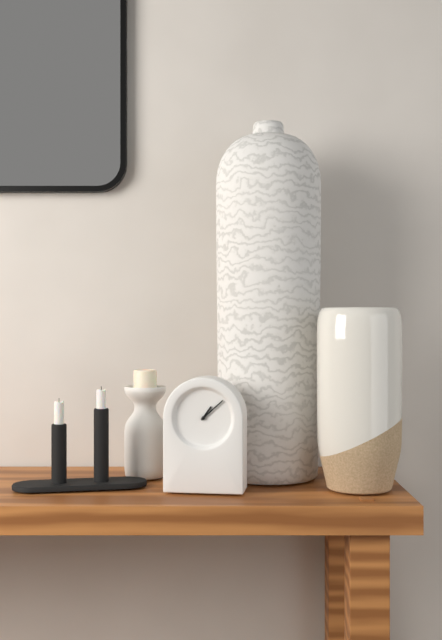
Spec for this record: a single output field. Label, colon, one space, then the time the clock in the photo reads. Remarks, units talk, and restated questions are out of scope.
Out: 1:08
